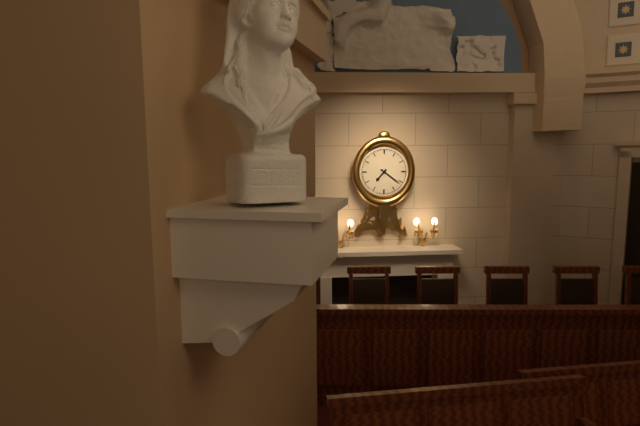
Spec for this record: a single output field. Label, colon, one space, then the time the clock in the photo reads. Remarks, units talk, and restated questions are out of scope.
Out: 7:21
